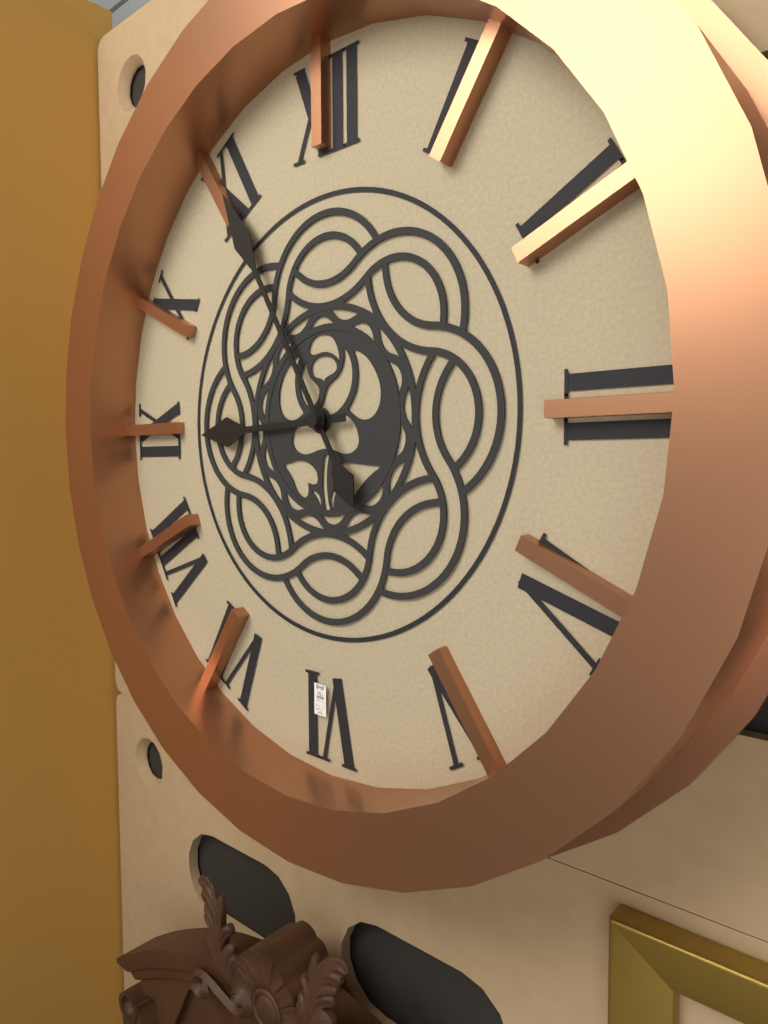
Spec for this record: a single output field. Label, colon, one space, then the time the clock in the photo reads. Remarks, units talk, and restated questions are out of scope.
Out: 8:55
